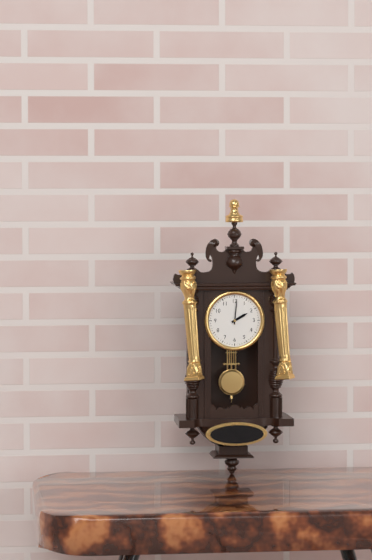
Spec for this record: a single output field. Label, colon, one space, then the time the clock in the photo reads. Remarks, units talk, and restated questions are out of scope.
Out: 2:01
